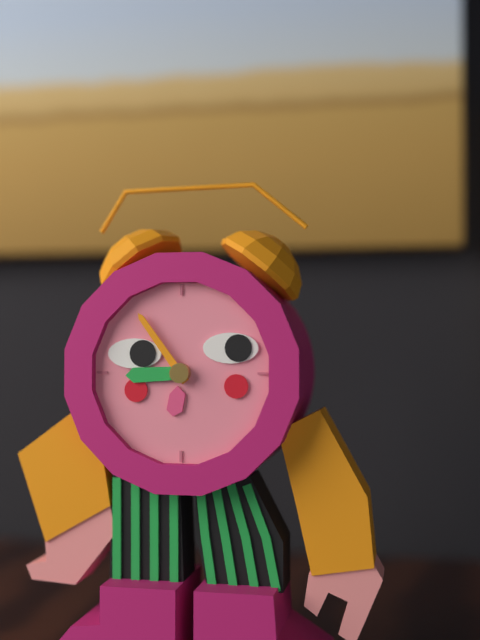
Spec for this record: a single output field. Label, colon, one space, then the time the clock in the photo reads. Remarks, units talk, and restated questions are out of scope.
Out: 8:54
